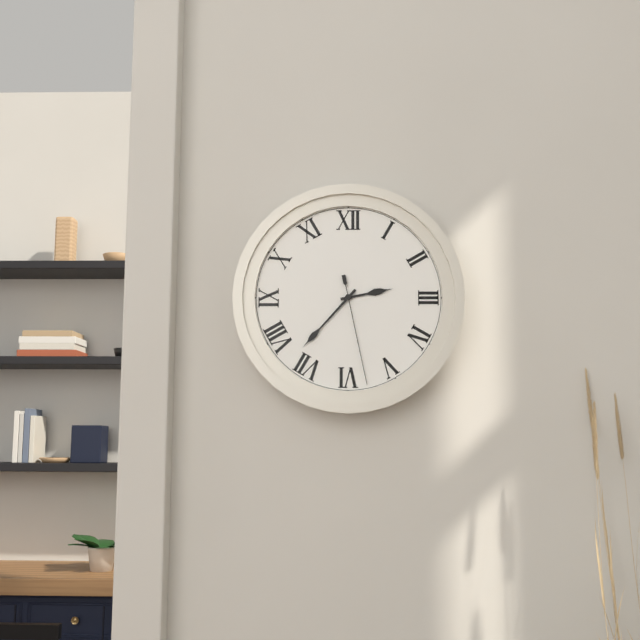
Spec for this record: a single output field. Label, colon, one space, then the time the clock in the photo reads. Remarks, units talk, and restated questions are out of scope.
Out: 2:37:28
